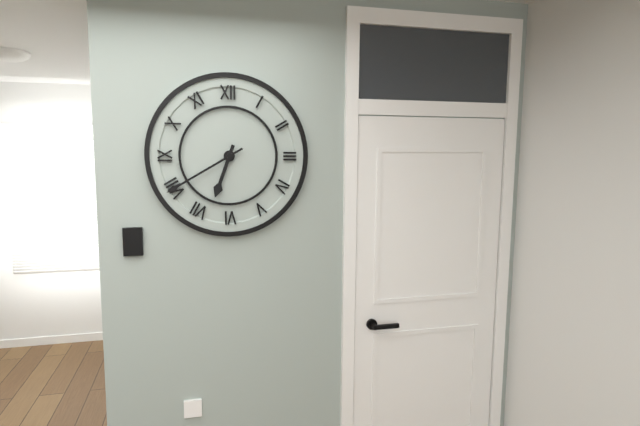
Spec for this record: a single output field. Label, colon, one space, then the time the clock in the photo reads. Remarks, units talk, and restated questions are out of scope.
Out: 6:40
